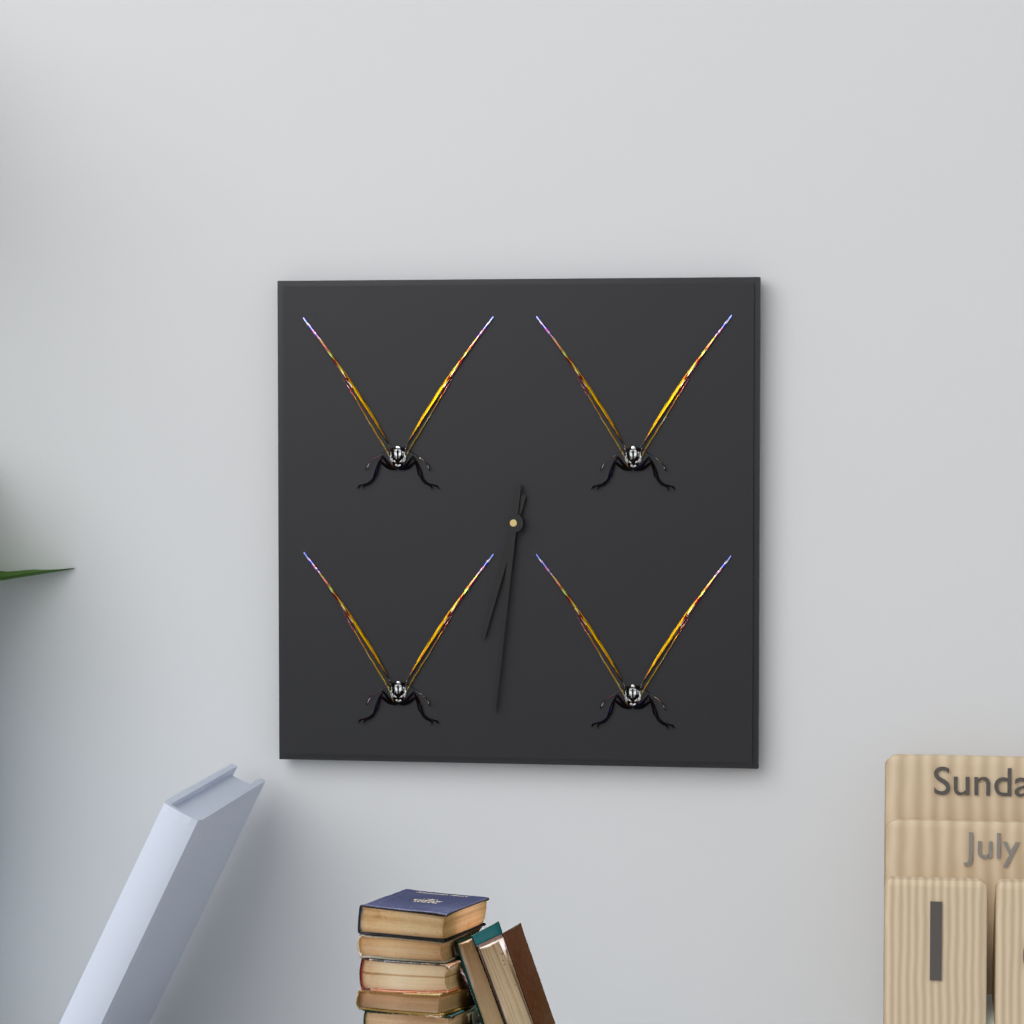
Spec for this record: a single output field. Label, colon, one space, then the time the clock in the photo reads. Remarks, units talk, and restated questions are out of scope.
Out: 6:31
